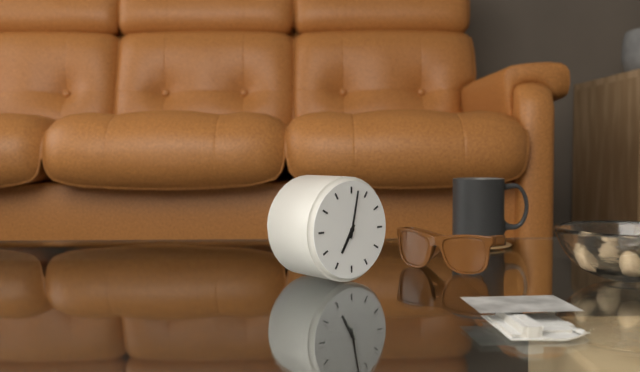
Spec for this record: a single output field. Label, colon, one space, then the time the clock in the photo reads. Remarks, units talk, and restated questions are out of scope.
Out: 7:02
